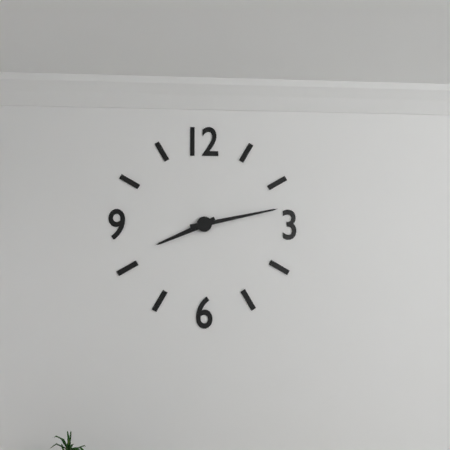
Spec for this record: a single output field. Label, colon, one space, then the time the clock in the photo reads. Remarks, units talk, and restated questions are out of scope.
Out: 8:13
